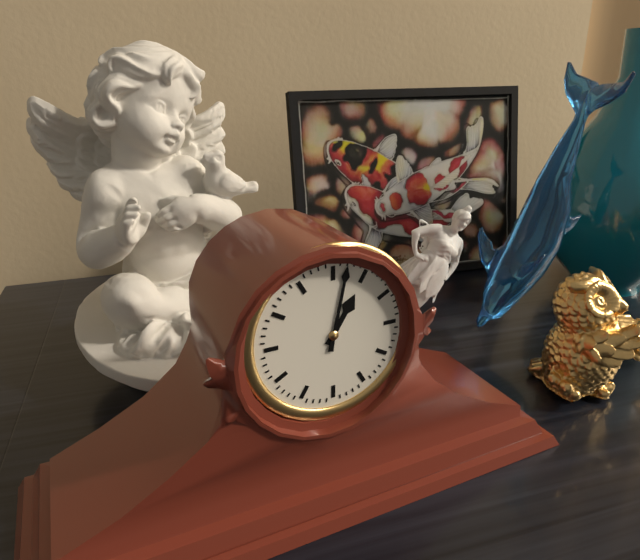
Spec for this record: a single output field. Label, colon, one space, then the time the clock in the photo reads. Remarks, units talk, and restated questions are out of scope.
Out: 1:02
